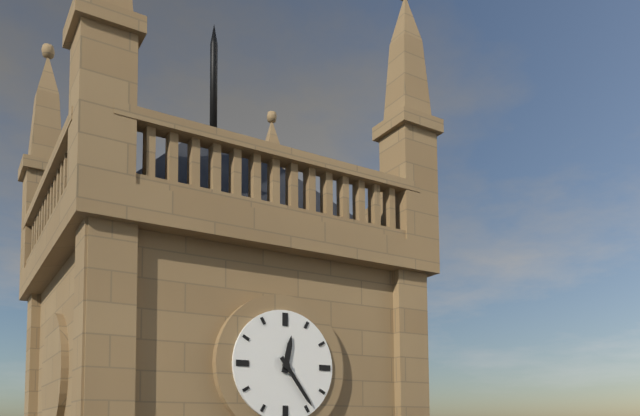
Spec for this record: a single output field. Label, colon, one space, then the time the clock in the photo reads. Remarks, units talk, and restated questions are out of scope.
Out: 12:24
